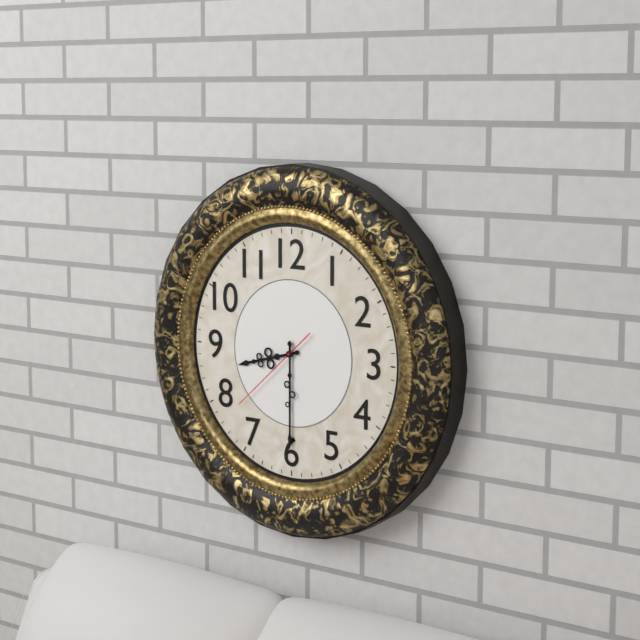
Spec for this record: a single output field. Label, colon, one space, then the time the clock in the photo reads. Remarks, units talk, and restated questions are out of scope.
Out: 8:30:38
